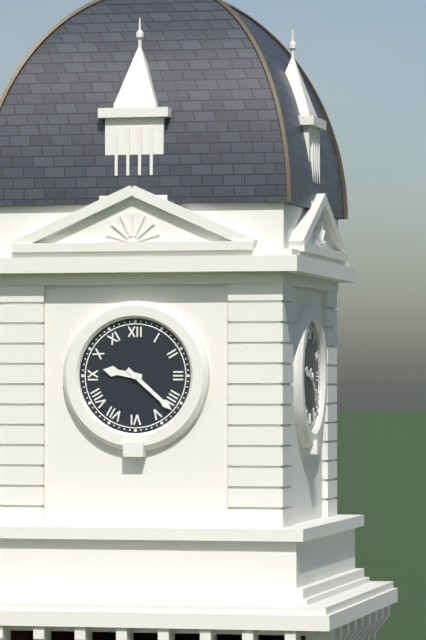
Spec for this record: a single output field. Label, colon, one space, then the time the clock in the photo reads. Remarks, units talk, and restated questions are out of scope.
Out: 9:22
